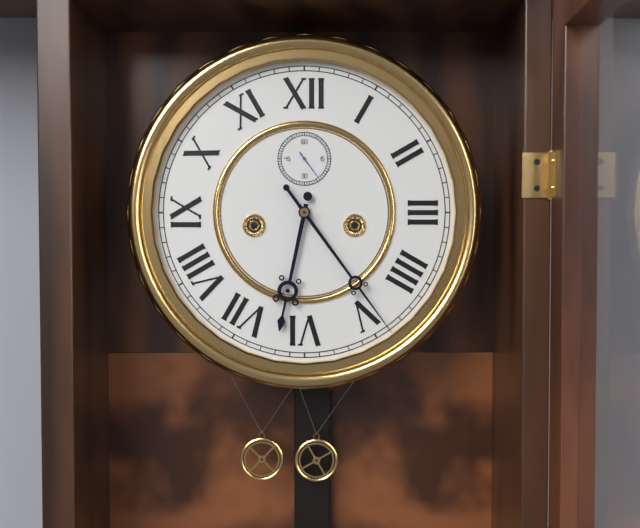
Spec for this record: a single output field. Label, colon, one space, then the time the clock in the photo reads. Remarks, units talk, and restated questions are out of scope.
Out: 6:24
